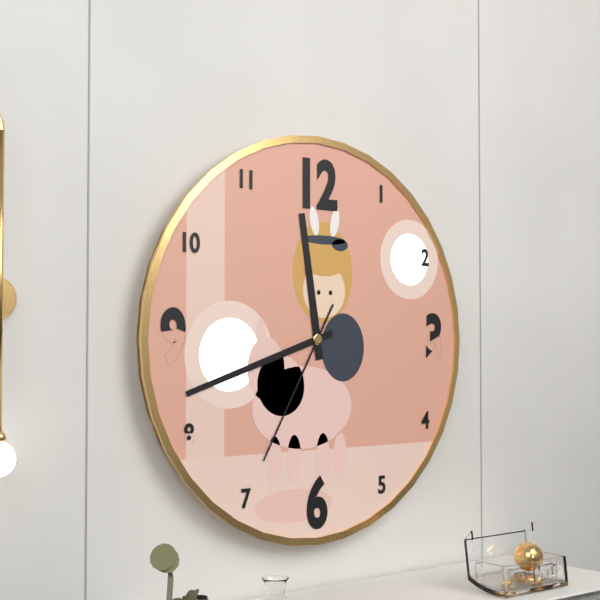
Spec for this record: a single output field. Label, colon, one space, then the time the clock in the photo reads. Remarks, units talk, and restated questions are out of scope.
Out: 11:42:35
